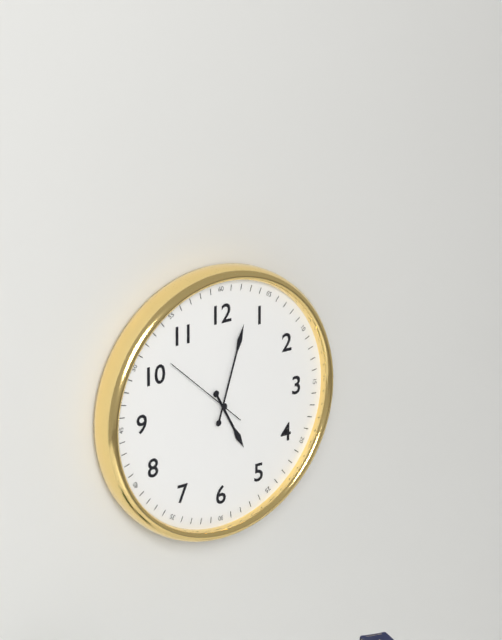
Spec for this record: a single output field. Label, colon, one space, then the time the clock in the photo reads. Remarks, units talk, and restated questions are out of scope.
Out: 5:03:52
